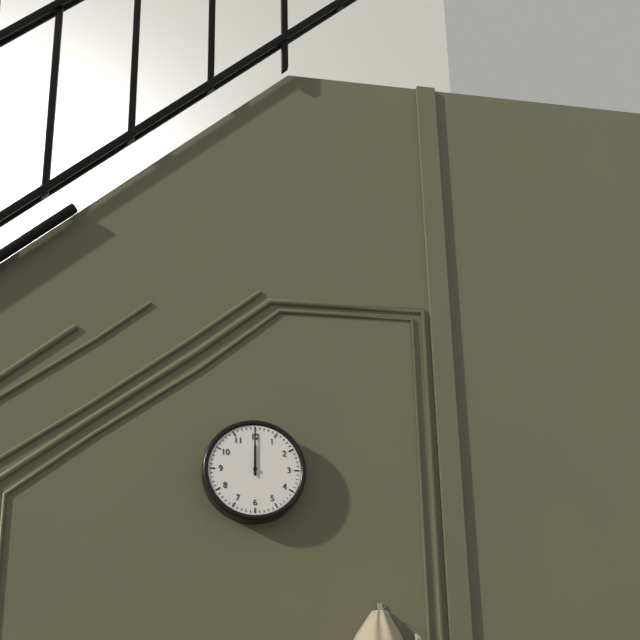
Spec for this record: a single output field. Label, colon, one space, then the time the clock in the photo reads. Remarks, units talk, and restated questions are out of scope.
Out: 12:00
